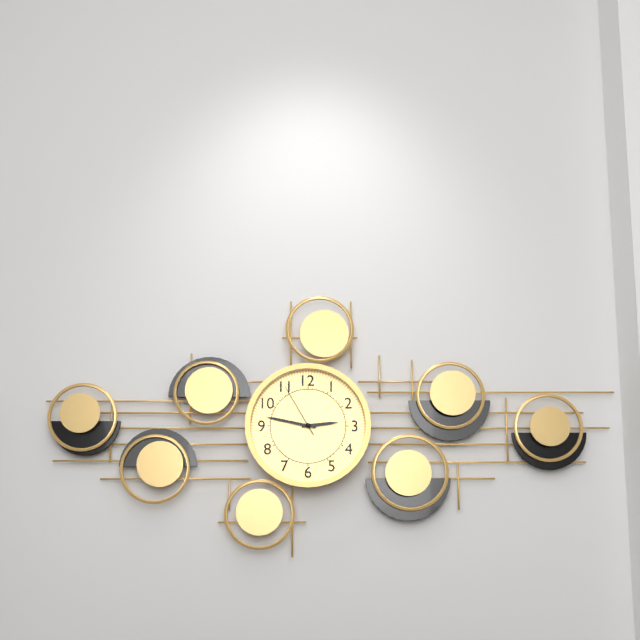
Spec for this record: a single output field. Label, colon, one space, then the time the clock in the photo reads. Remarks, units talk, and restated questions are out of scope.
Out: 2:47:55
